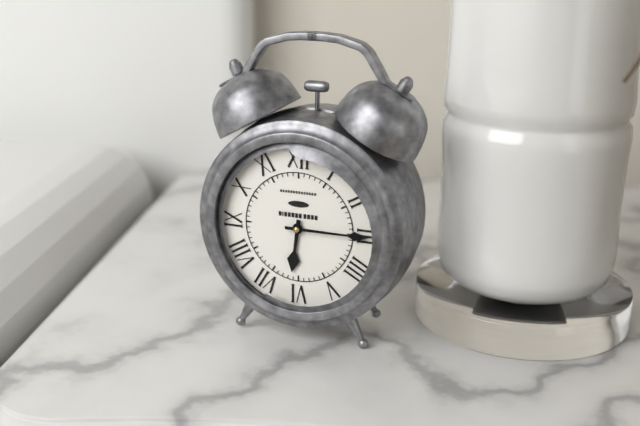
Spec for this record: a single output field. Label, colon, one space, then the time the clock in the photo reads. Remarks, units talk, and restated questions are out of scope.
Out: 6:15
